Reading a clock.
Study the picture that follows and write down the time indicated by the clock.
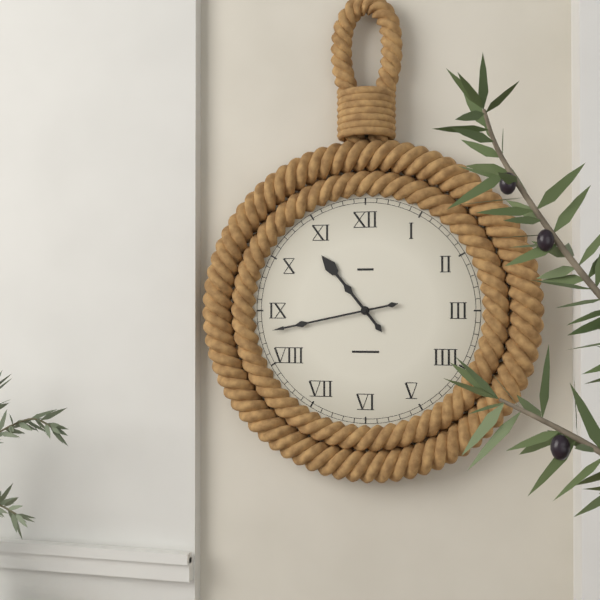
10:43
